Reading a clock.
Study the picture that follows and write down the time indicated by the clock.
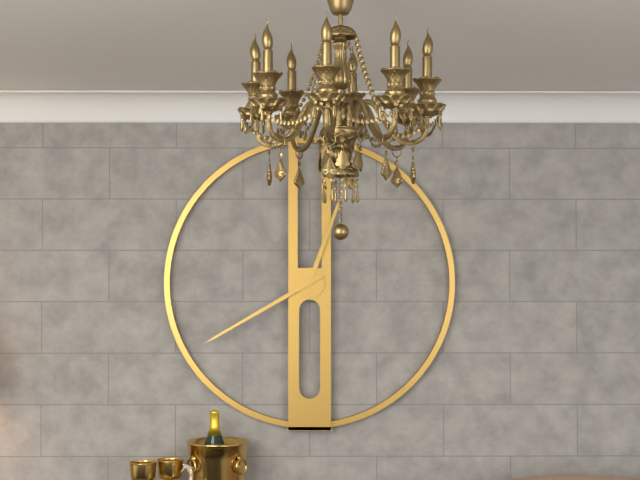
12:40
